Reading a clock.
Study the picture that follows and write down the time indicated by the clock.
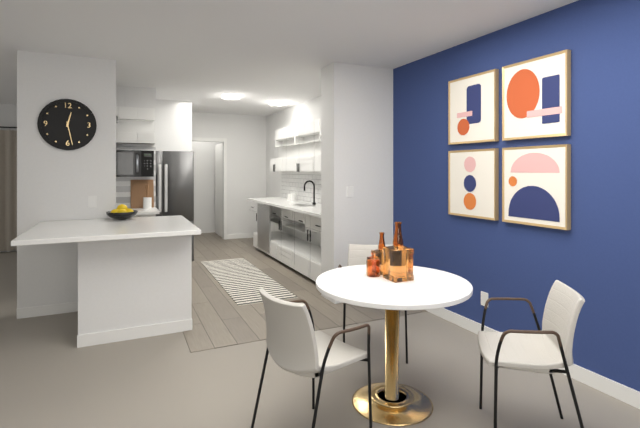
12:28
